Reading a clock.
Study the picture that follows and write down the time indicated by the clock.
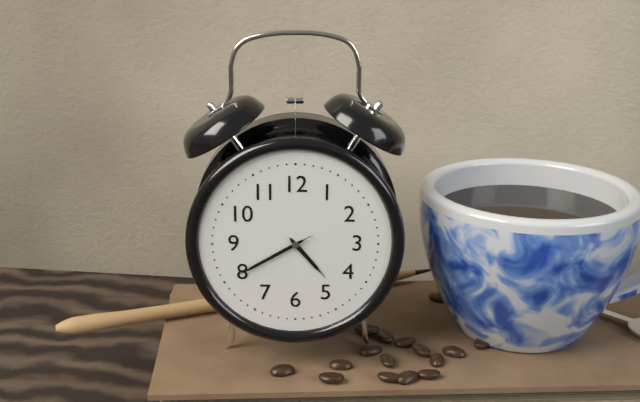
4:40:40
